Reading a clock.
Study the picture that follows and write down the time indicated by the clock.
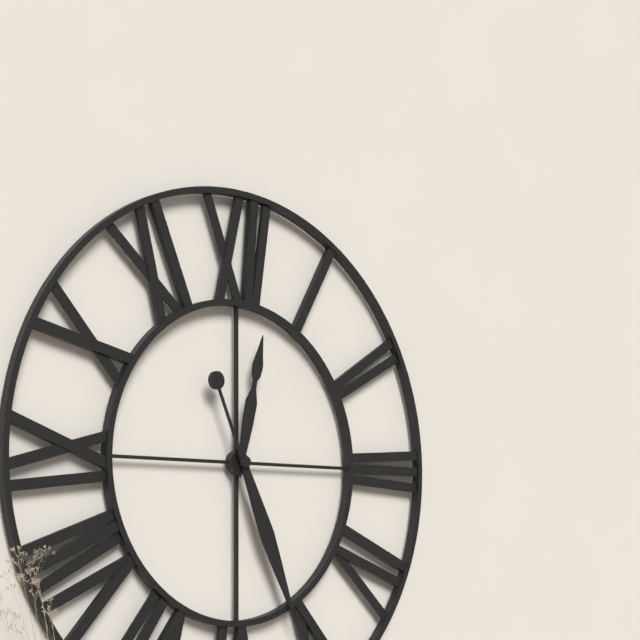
12:26
